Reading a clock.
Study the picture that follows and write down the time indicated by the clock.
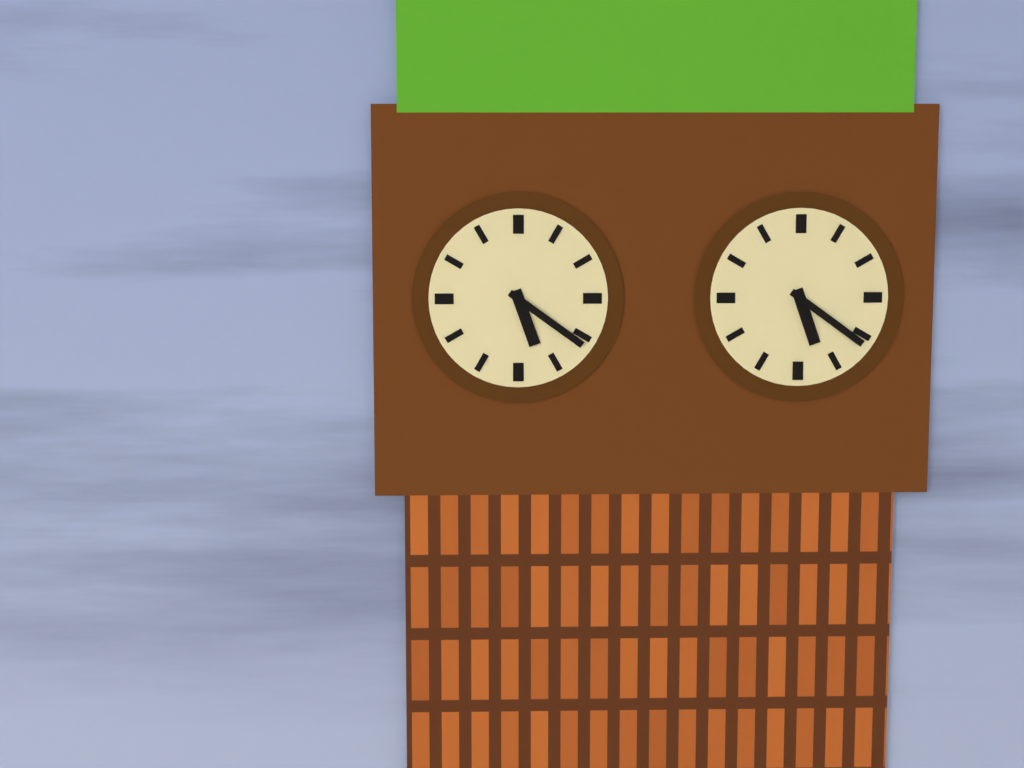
5:21
